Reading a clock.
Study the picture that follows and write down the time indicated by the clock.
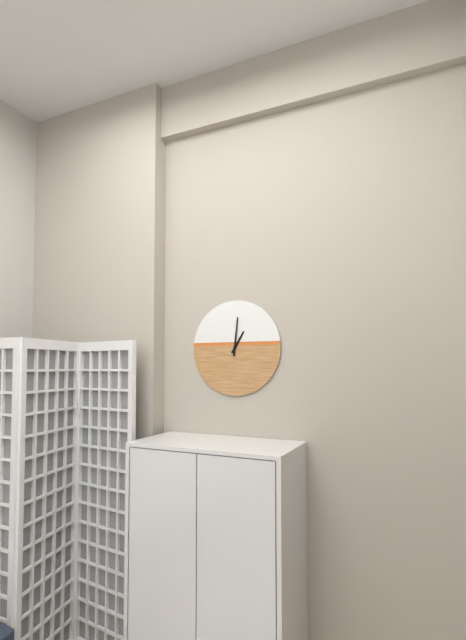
1:01
